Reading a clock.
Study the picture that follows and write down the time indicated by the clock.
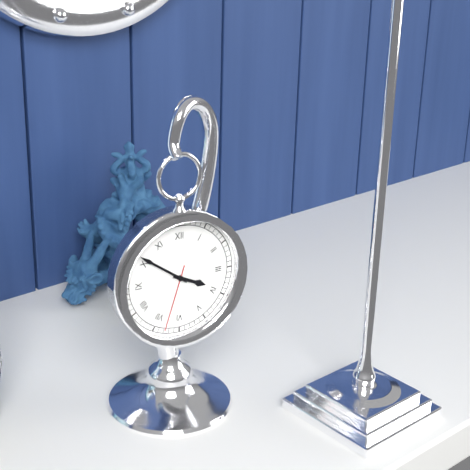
3:51:33
